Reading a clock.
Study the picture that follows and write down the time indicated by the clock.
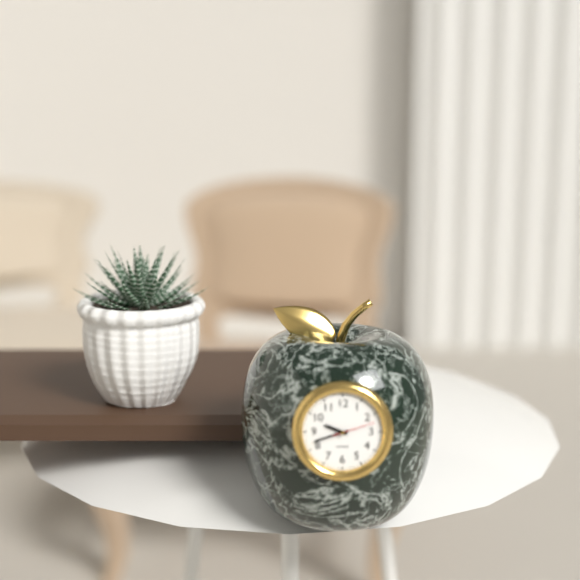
9:42
